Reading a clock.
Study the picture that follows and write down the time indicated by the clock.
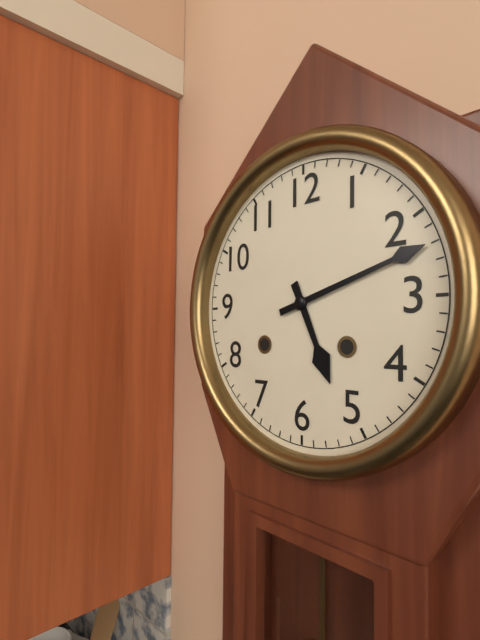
5:12
